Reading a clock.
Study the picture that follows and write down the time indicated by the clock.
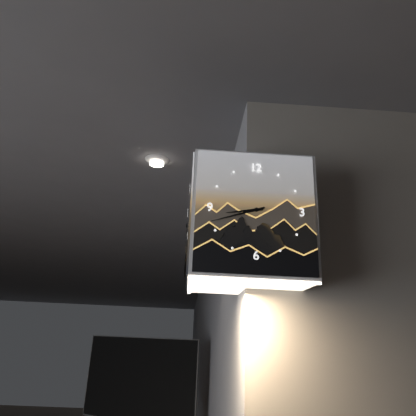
8:42
